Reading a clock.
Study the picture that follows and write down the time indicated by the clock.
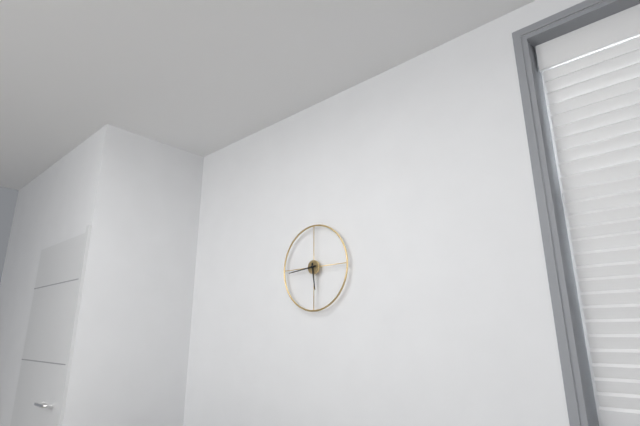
5:44
